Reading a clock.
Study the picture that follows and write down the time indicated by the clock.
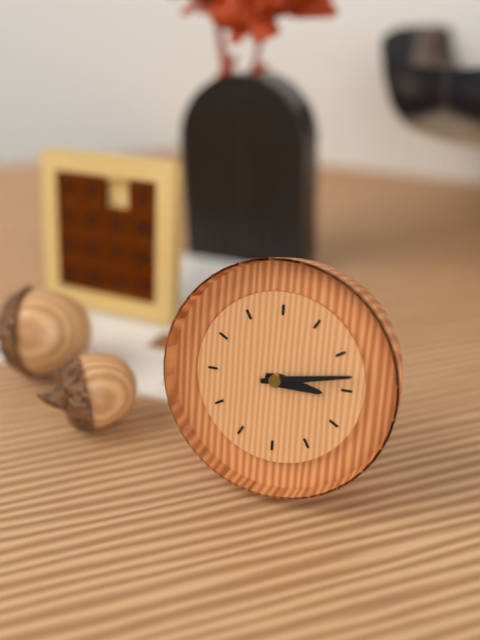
3:13
